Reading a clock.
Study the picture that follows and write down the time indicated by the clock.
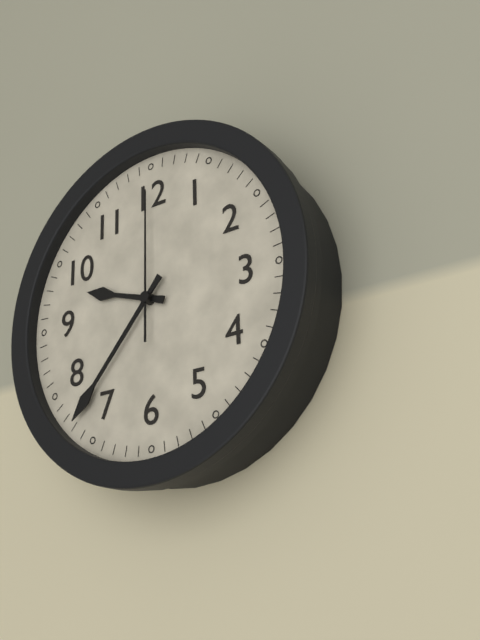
9:37:00
